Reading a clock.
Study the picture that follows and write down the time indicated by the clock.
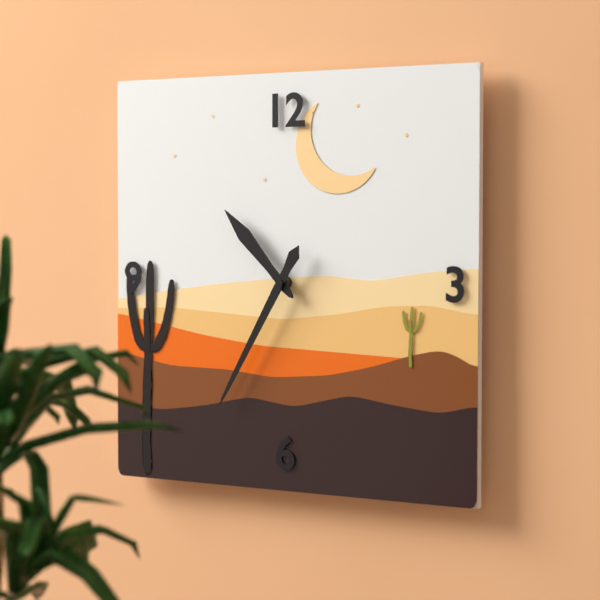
10:35
